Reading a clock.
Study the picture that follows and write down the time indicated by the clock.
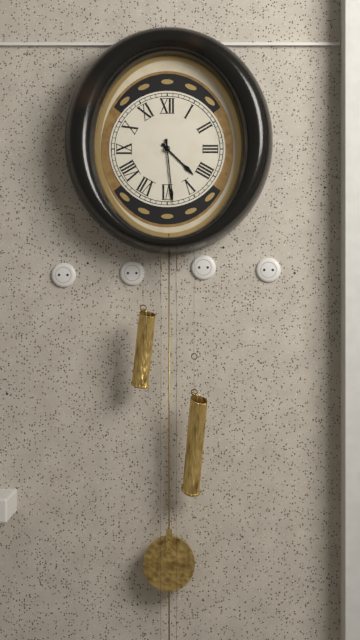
4:29
